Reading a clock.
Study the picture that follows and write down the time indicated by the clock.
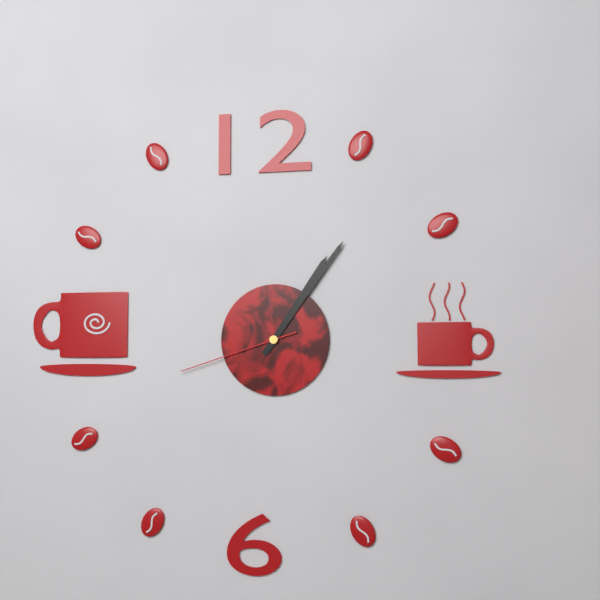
1:06:42
